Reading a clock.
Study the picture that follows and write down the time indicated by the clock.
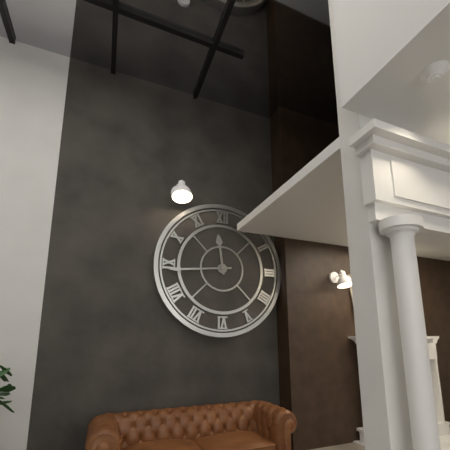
11:44
